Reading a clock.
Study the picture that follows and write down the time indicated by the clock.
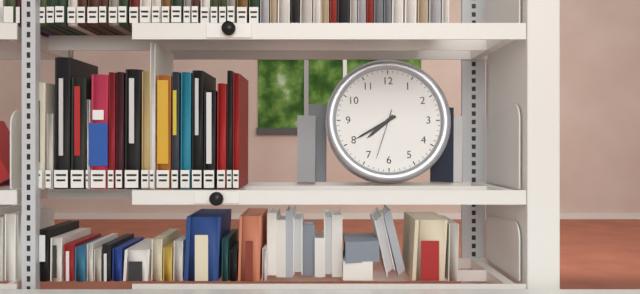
7:40
